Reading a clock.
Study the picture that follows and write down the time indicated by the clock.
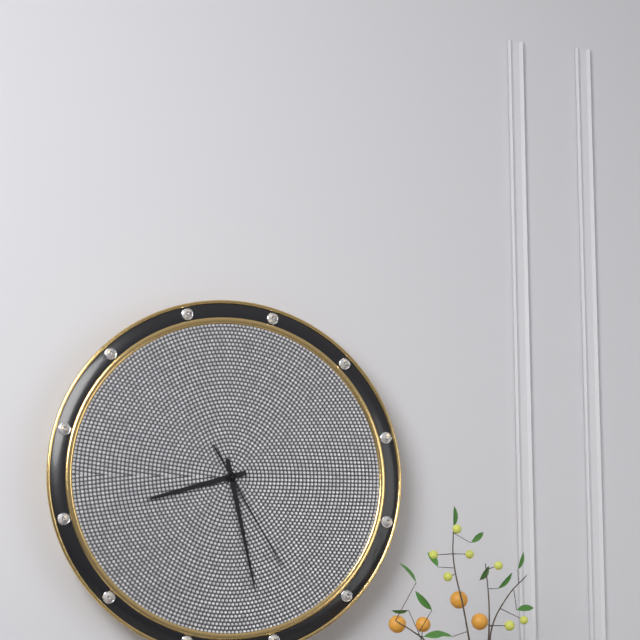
8:28:25
